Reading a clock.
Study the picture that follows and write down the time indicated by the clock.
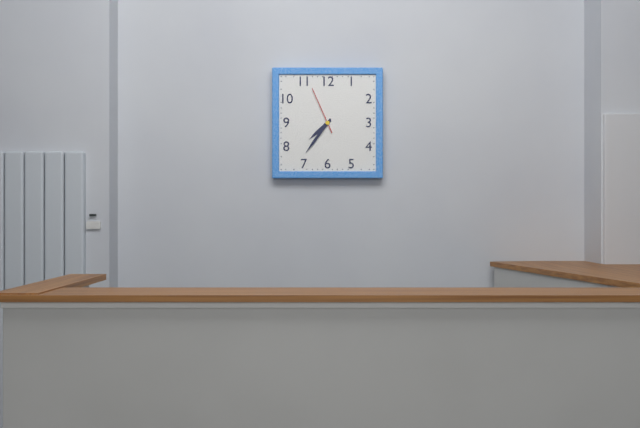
7:36
